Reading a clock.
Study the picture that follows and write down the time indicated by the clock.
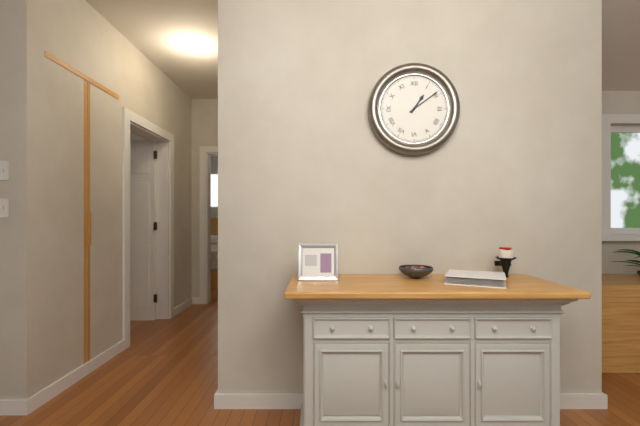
1:09
